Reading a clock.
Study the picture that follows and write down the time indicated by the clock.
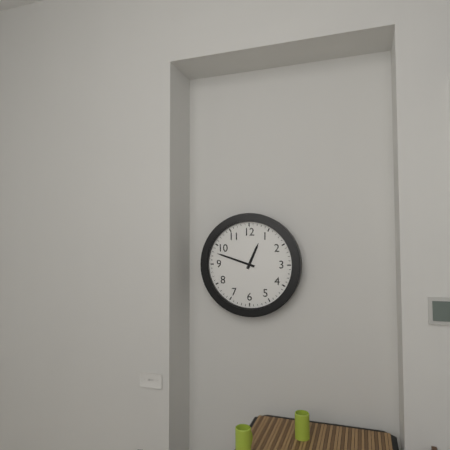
12:48
